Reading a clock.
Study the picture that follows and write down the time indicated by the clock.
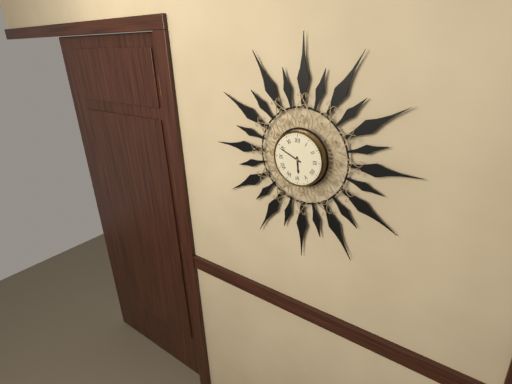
5:49
